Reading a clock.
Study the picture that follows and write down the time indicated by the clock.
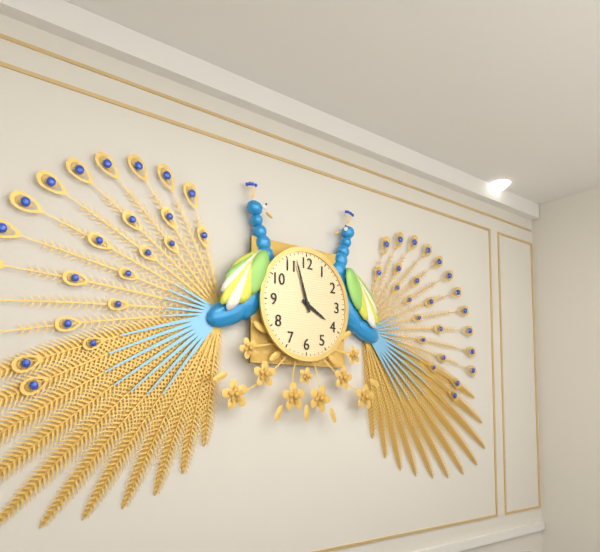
3:57
